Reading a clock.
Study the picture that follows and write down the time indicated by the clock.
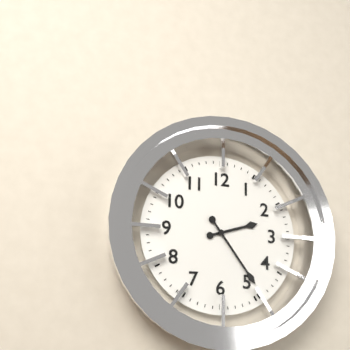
2:24
